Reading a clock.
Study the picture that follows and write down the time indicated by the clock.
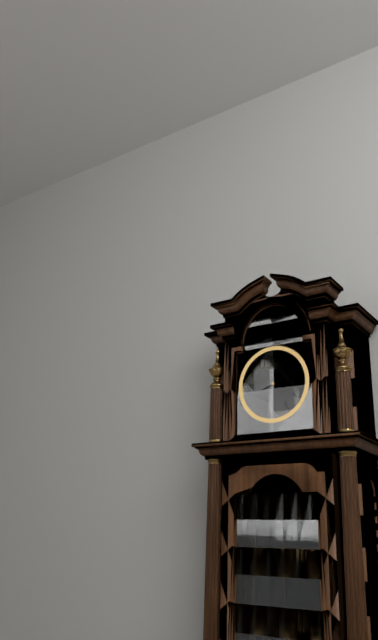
8:41
